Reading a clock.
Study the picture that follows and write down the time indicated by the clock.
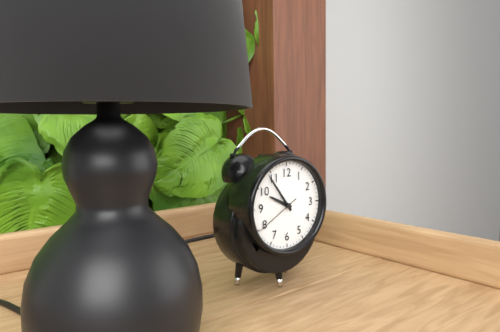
9:54
